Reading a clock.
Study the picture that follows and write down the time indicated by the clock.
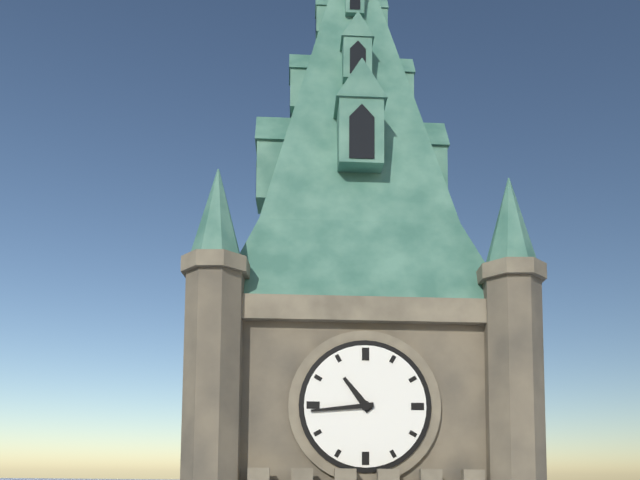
10:44
